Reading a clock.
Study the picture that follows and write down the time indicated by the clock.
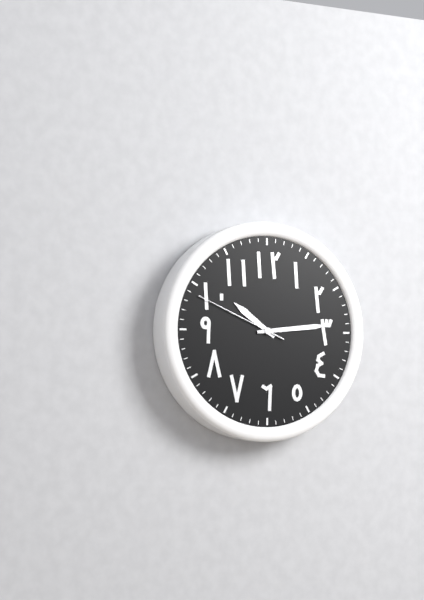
10:14:49
